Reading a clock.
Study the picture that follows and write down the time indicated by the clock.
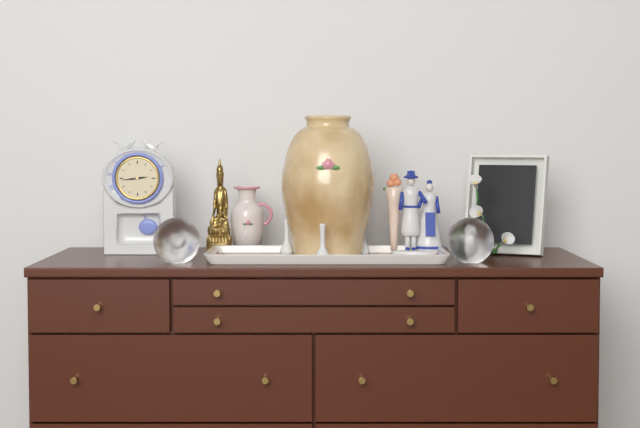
2:44
